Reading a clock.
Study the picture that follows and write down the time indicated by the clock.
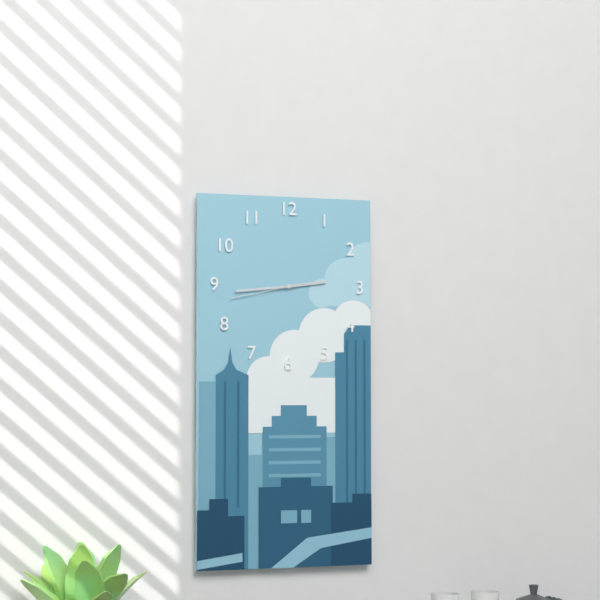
2:44:43
